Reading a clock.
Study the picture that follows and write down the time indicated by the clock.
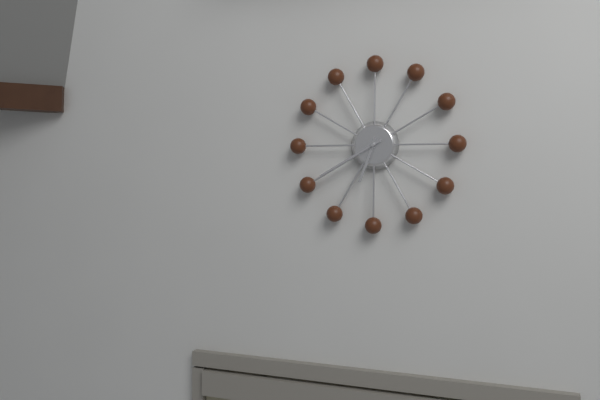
6:40
